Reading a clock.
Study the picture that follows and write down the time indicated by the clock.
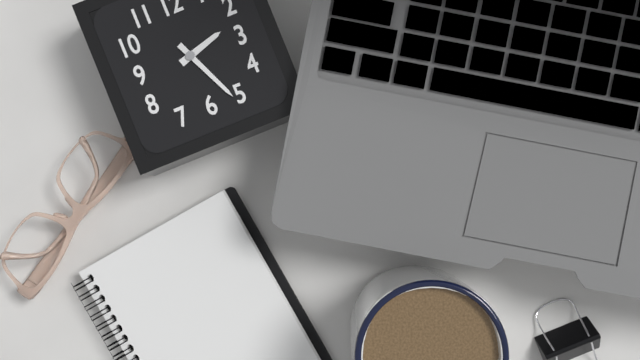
2:26
